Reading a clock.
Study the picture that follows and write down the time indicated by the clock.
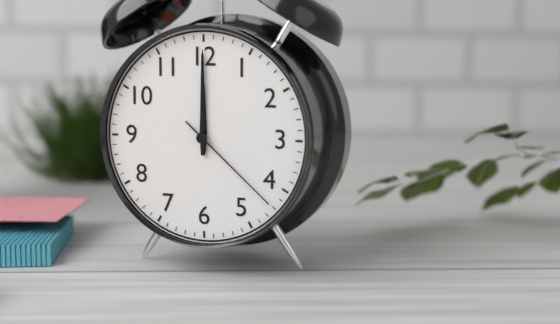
12:00:22
